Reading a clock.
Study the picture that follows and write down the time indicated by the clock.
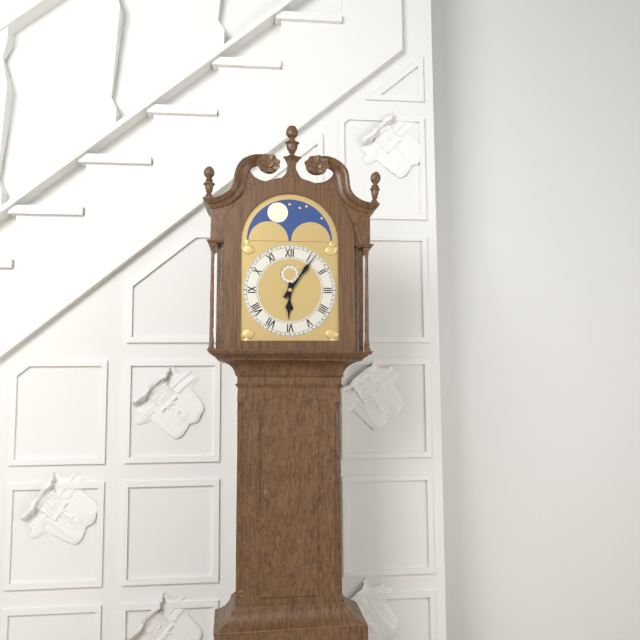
6:06
